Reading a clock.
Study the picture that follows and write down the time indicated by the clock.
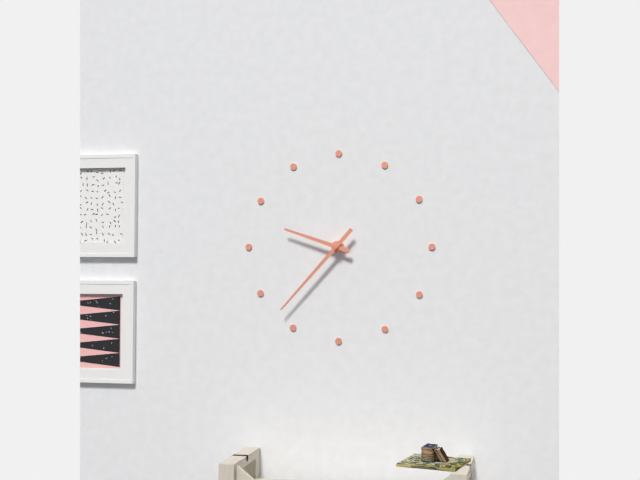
9:37
